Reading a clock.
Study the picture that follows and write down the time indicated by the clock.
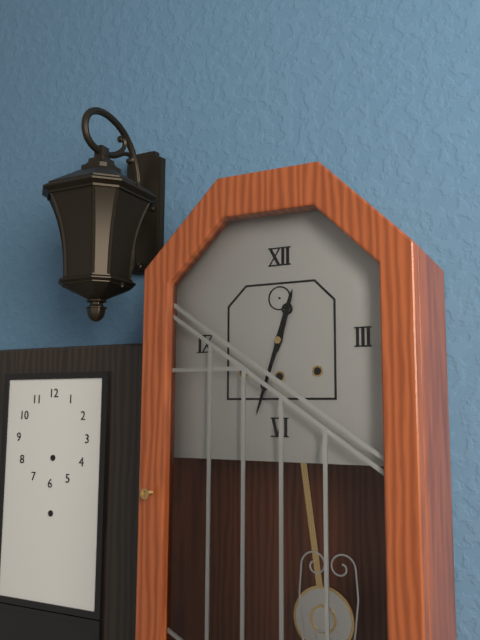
12:33
